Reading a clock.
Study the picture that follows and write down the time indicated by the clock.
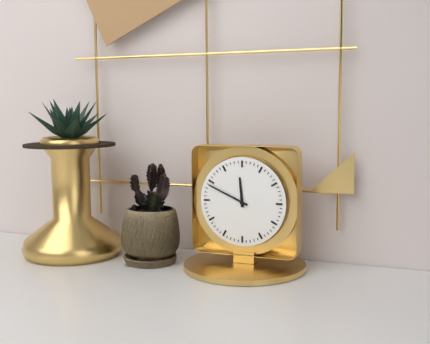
11:49
